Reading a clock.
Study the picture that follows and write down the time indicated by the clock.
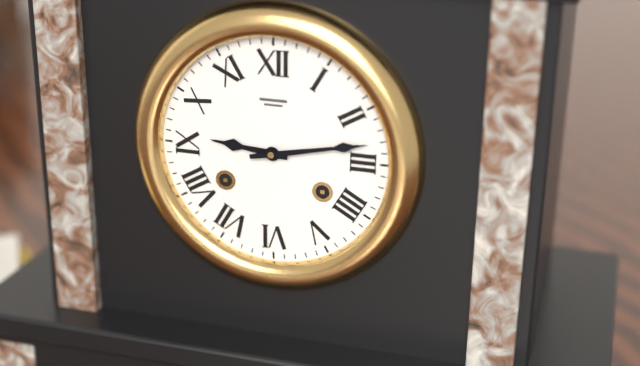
9:13
